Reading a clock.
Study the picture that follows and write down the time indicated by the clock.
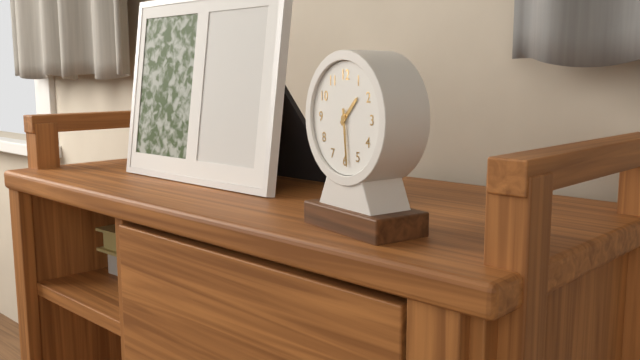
1:29
